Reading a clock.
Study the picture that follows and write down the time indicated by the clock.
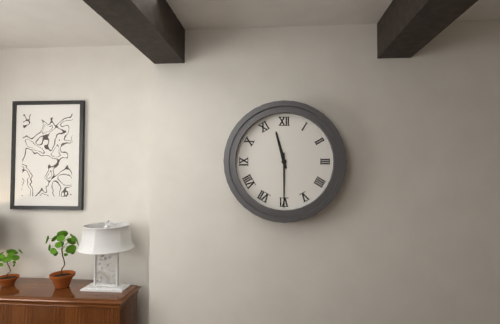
11:30
